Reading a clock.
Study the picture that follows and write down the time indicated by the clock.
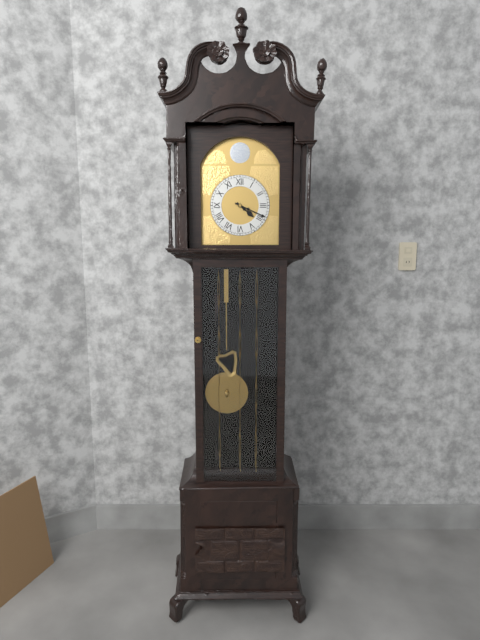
4:19
